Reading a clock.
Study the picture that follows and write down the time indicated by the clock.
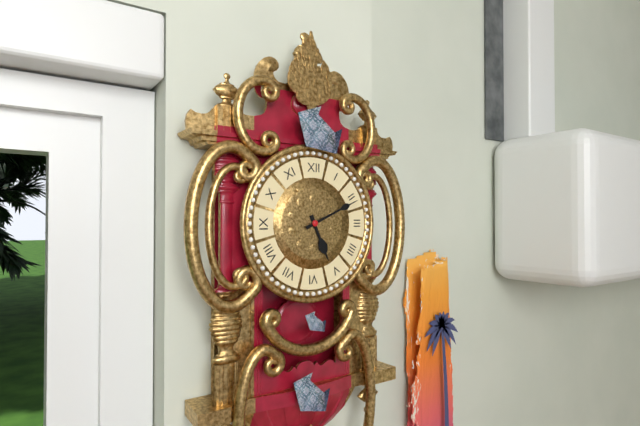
5:11
